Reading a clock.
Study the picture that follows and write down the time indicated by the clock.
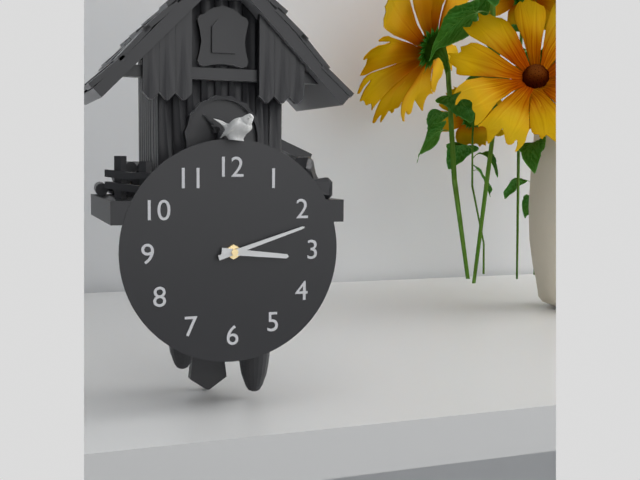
3:12
